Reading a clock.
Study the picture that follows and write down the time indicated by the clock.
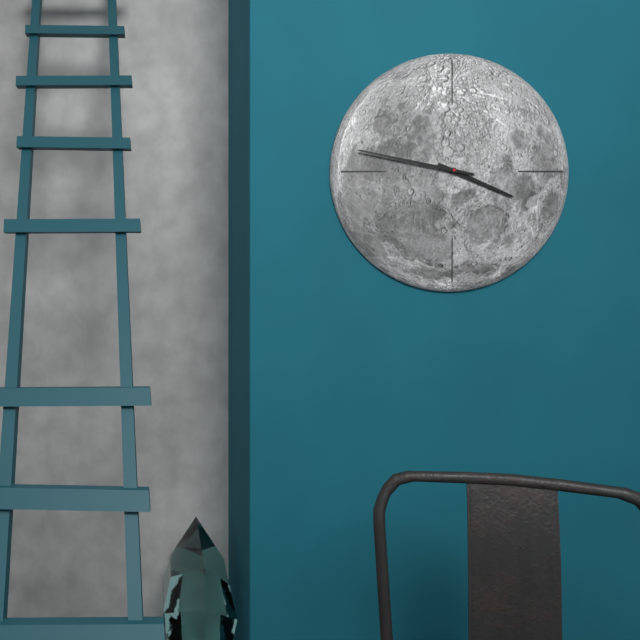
3:47
